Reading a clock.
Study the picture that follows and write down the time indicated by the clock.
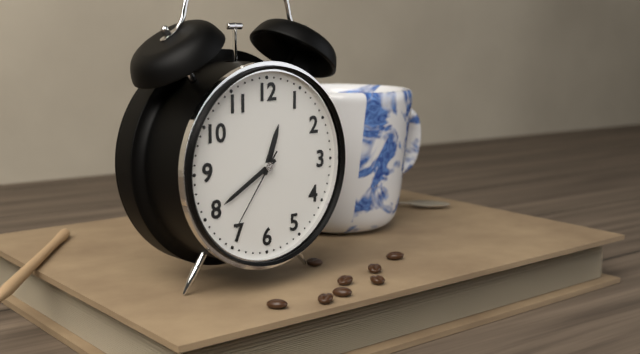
12:40:36
